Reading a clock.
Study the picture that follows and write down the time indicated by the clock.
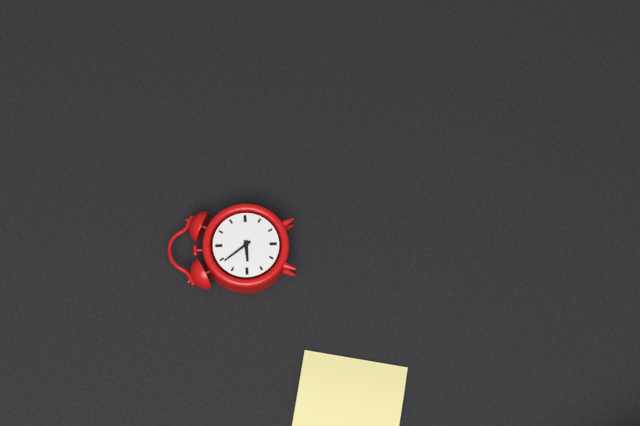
8:54
